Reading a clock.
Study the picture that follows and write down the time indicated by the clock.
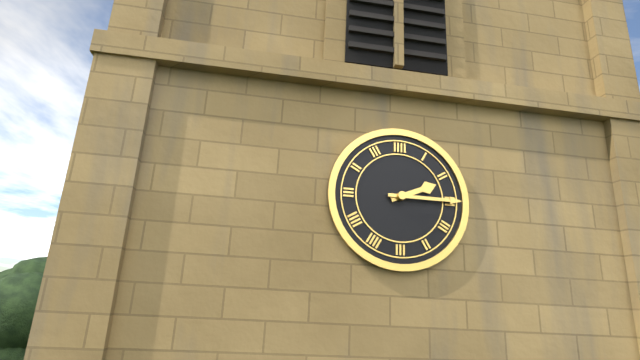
2:15
